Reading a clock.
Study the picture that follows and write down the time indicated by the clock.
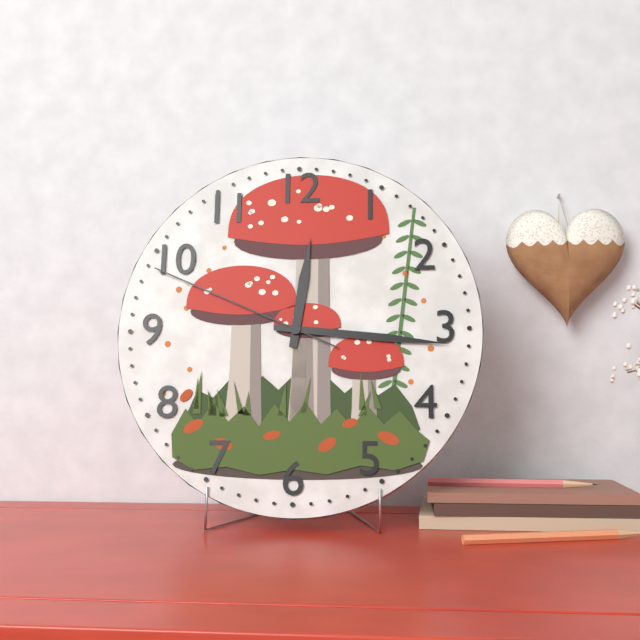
12:16:49
